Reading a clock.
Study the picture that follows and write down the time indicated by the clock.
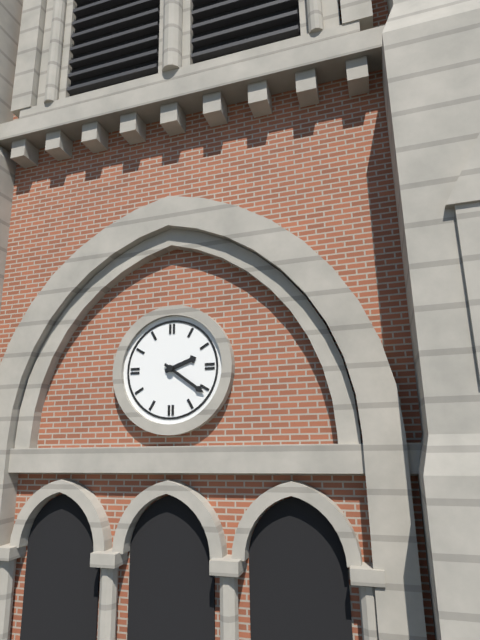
2:21
